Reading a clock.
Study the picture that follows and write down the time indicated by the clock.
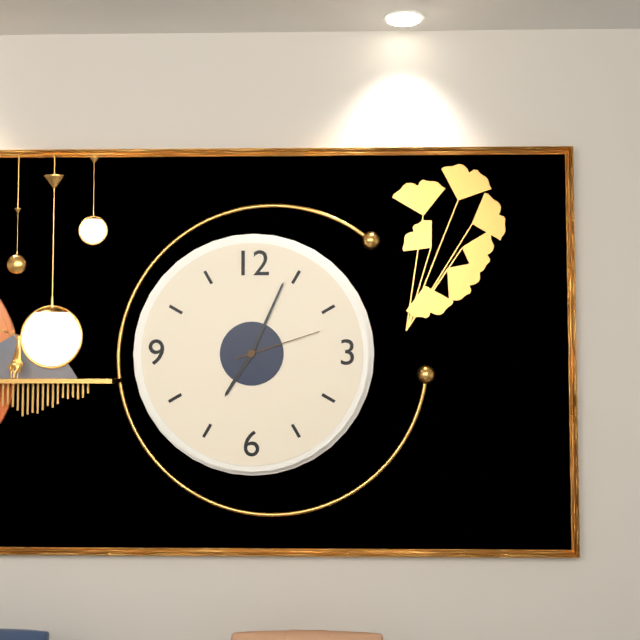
7:04:12
